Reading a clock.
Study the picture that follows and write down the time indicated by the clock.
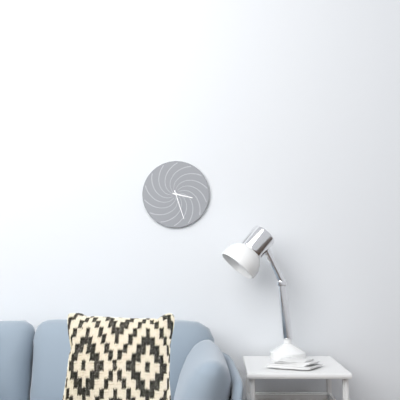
3:27
